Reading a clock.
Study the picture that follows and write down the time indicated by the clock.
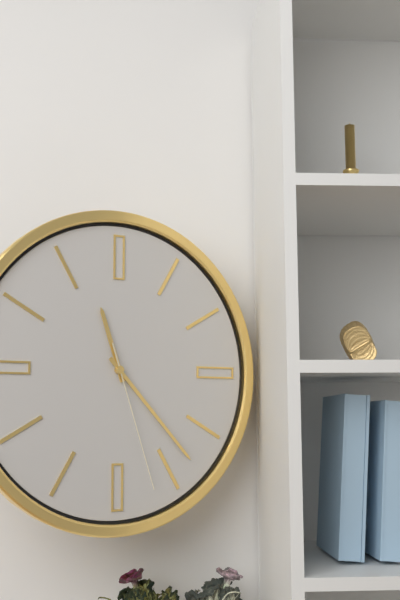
11:23:27
